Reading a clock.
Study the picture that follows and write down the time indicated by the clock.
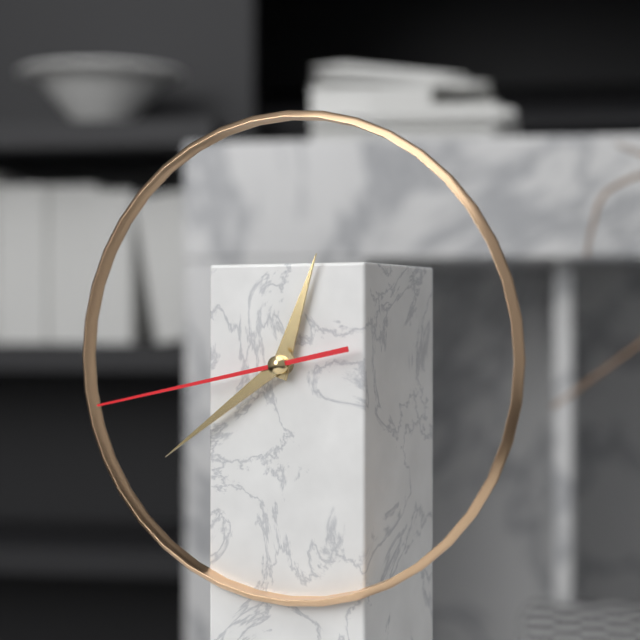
12:39:43
